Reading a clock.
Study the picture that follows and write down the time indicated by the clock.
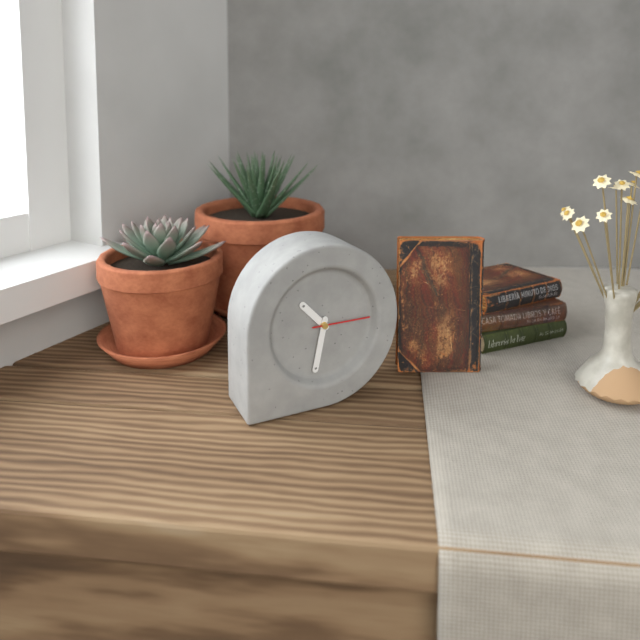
10:32:15
